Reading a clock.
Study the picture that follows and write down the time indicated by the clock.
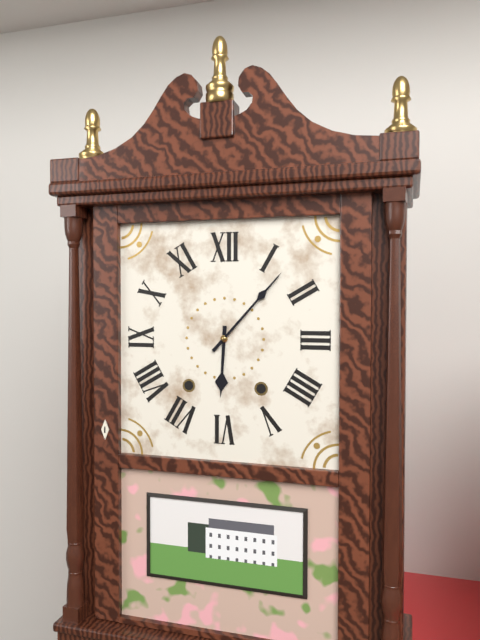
6:07
